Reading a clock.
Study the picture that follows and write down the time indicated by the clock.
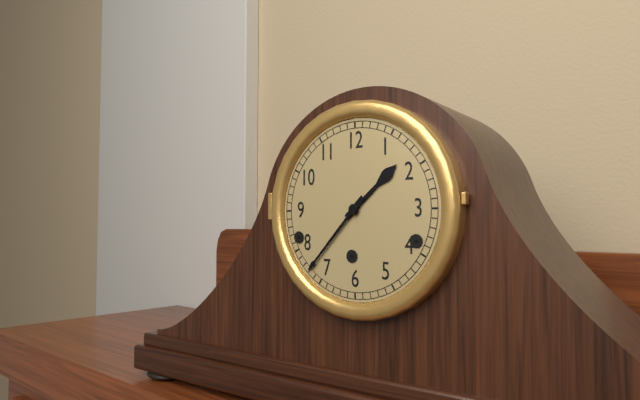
1:37
